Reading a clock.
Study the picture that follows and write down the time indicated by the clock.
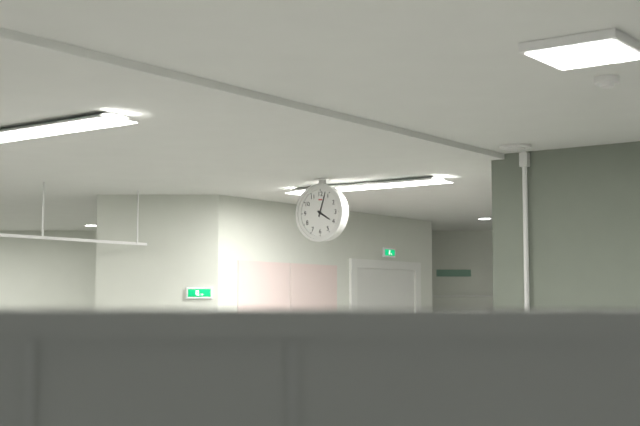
4:03
